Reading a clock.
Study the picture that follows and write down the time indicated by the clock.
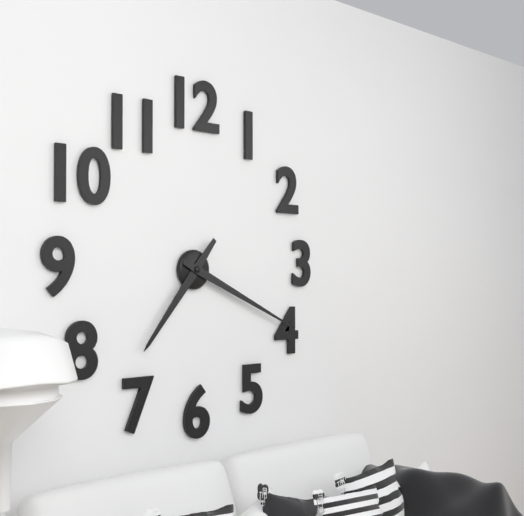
7:19
